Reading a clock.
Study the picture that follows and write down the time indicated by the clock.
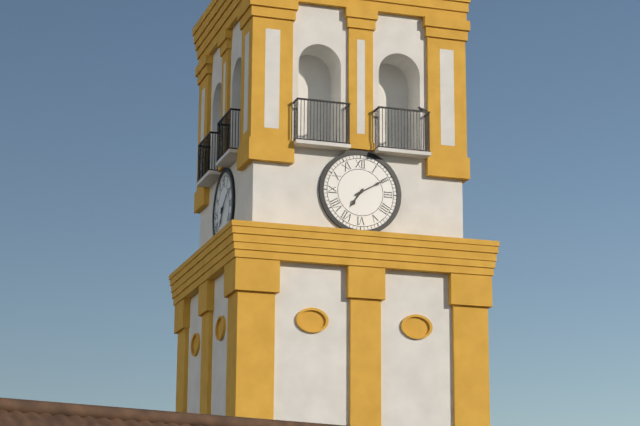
7:10
